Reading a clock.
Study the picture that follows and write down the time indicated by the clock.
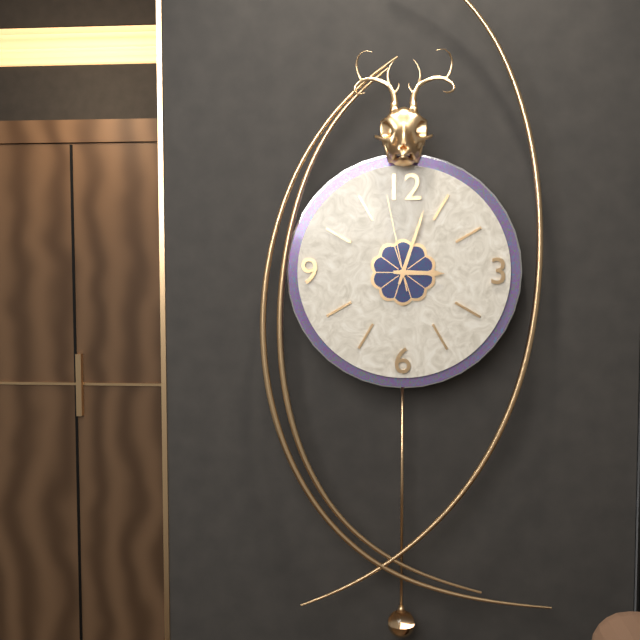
3:03:58
